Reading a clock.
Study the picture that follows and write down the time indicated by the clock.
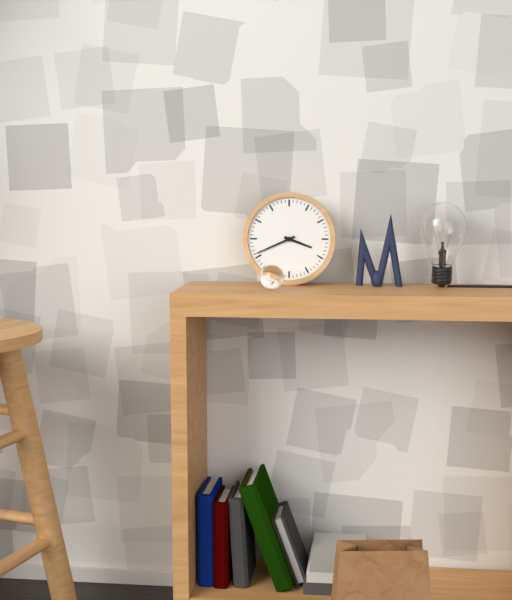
3:41
